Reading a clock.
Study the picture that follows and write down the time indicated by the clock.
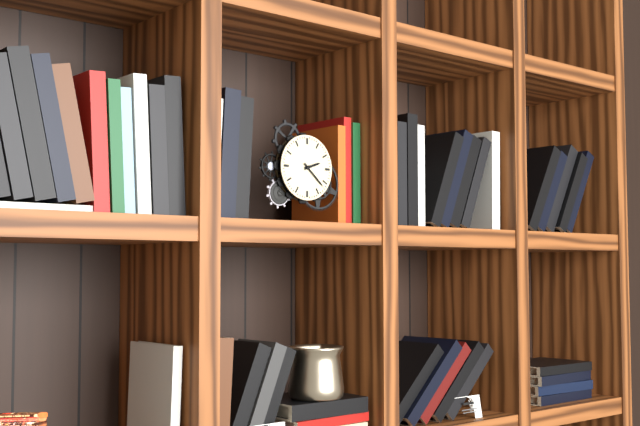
2:22
